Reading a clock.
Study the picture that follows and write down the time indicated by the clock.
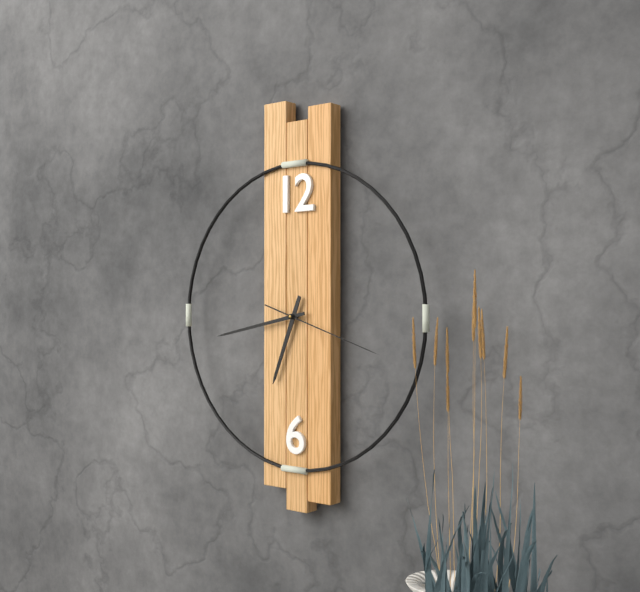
6:43:18
